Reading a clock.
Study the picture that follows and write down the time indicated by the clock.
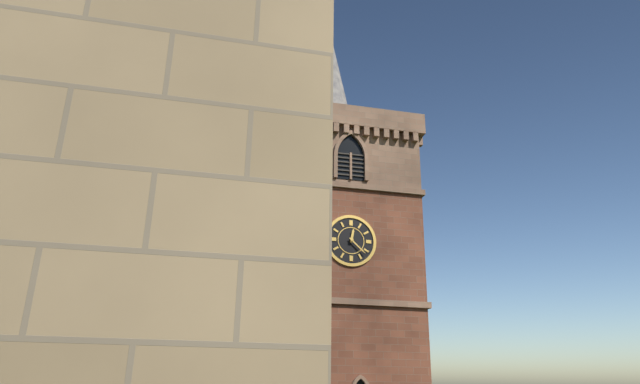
12:22
